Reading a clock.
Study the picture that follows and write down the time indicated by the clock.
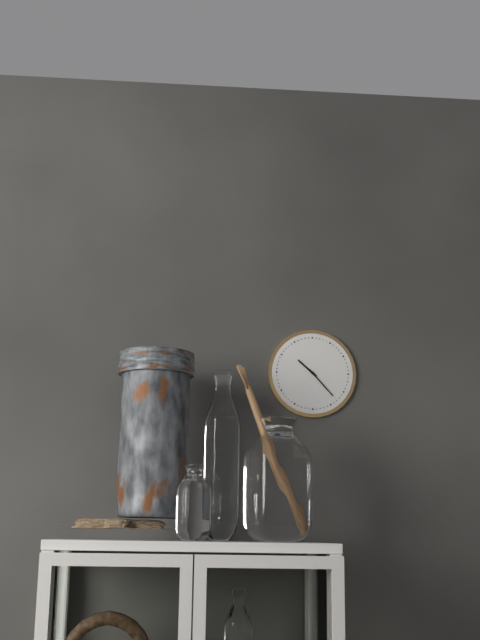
10:23
